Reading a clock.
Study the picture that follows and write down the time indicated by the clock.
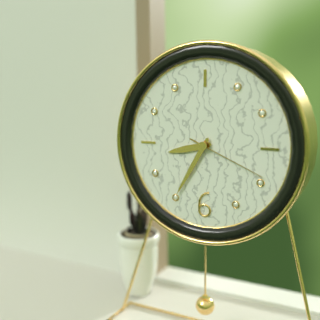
8:35:19
